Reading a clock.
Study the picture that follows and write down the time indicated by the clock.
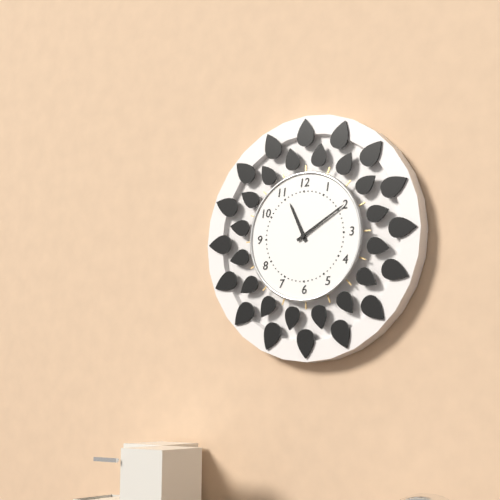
11:10
